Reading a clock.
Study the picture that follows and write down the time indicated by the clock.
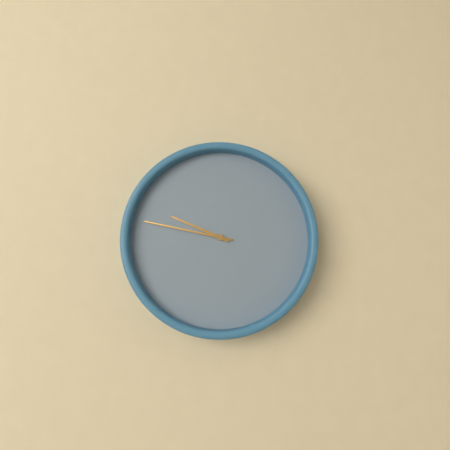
9:47
